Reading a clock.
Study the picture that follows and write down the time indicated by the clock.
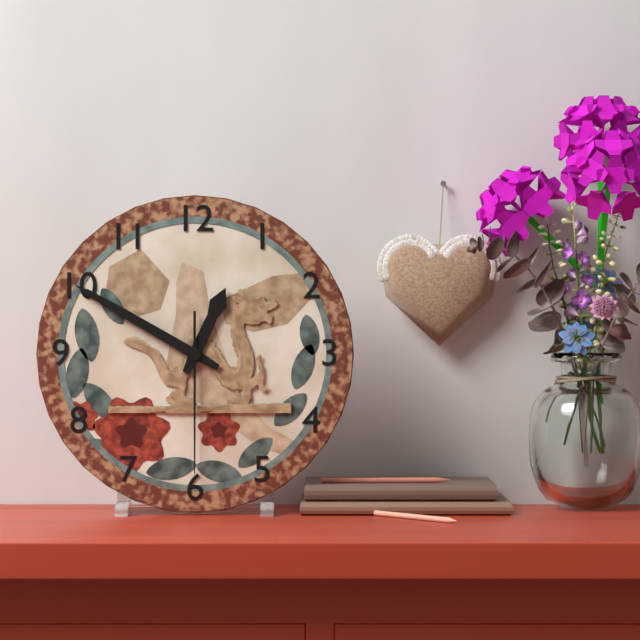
12:50:30
